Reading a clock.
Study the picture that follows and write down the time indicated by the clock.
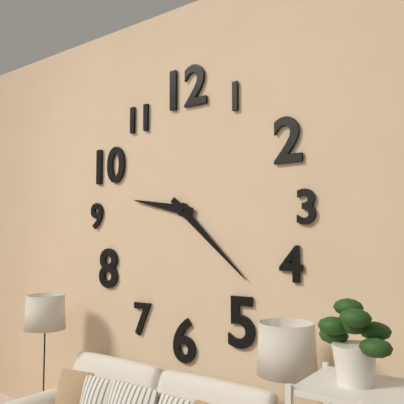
9:22
